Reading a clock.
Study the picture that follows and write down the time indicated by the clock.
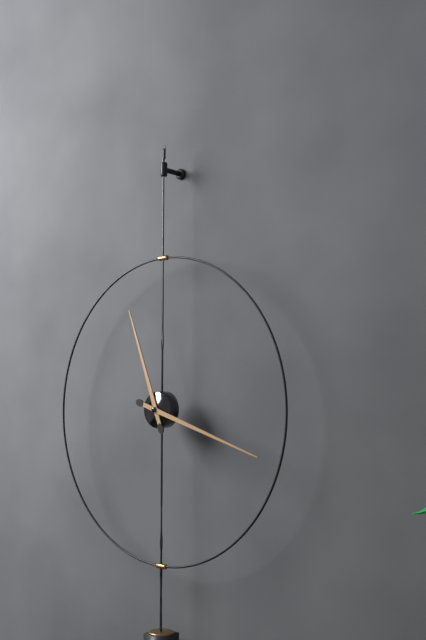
11:18
